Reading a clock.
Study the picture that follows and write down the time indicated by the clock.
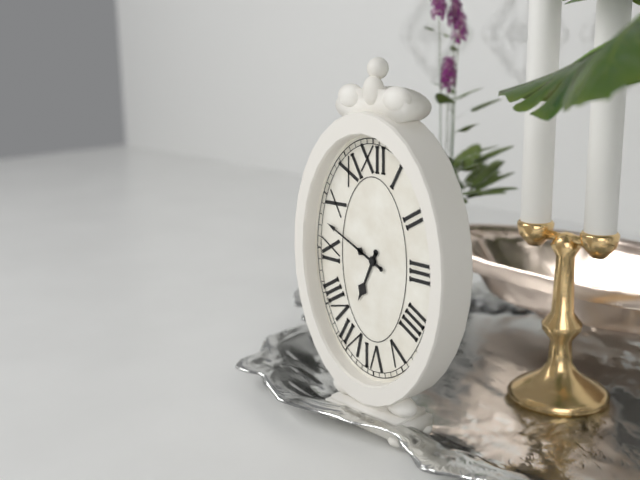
6:49
